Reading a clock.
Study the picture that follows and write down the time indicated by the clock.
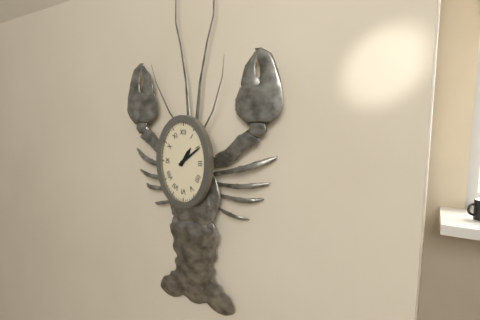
1:09
